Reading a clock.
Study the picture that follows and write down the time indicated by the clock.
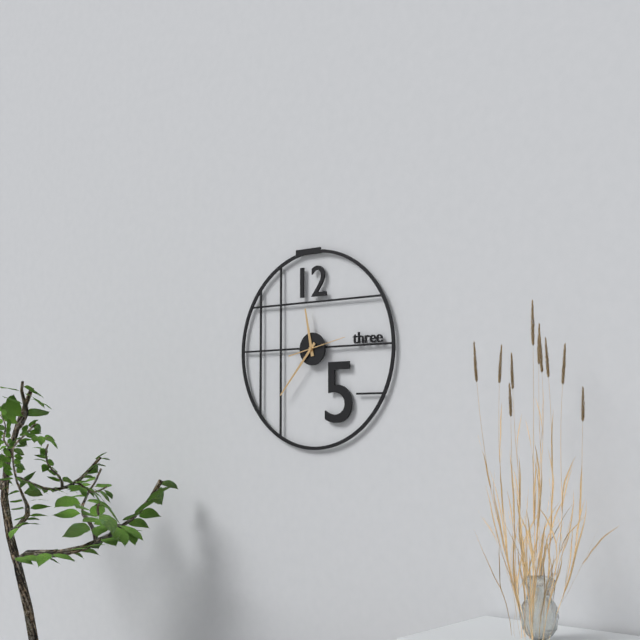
11:37
